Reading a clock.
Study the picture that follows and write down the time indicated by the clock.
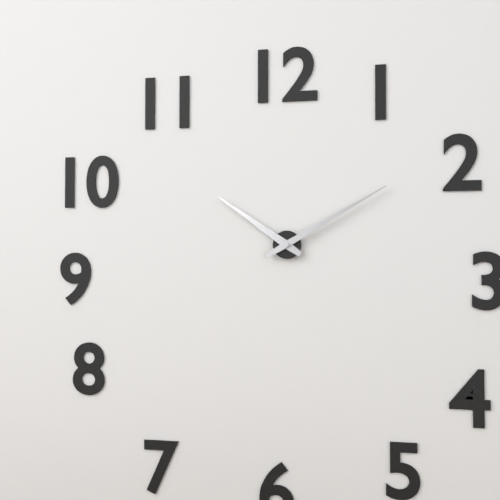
10:10
